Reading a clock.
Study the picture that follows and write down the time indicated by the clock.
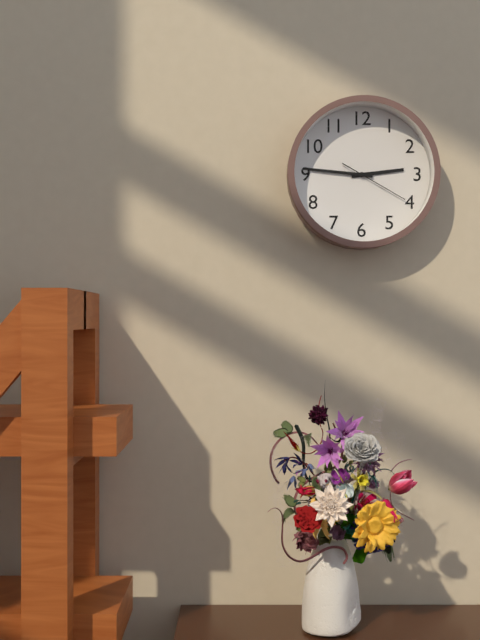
2:46:20
